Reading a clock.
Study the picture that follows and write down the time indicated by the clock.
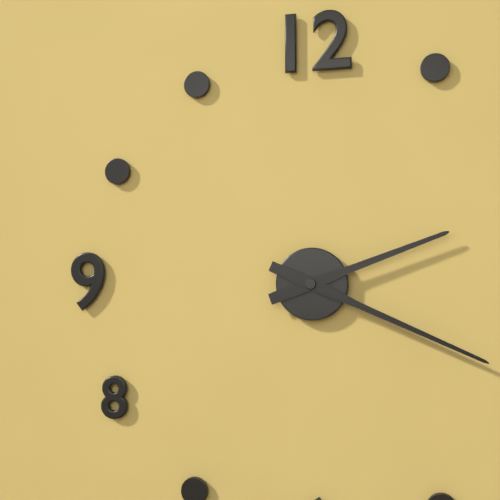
2:19
